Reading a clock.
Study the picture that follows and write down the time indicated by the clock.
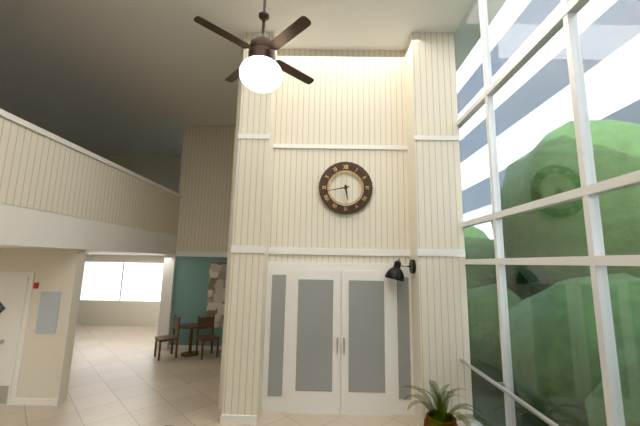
5:43
